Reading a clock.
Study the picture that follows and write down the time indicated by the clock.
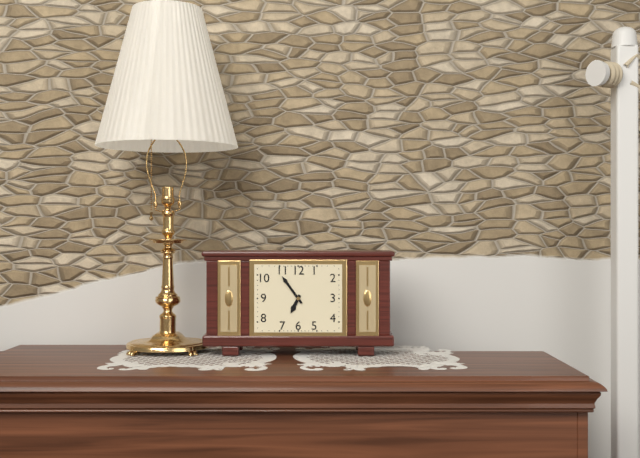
6:54
